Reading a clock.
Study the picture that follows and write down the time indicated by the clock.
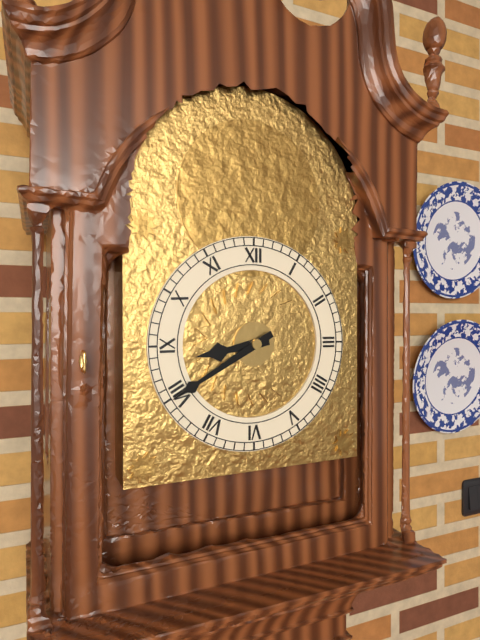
8:40
